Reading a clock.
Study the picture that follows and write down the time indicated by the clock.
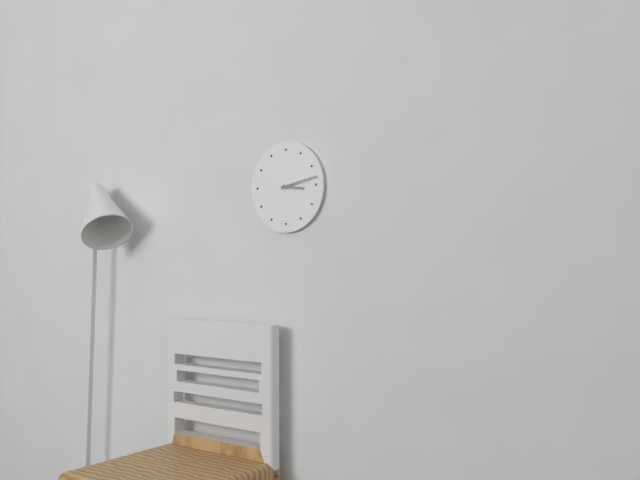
3:13
